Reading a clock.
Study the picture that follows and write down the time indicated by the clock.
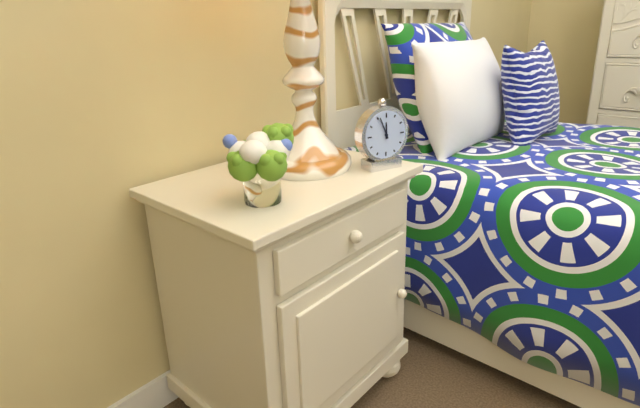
11:56
